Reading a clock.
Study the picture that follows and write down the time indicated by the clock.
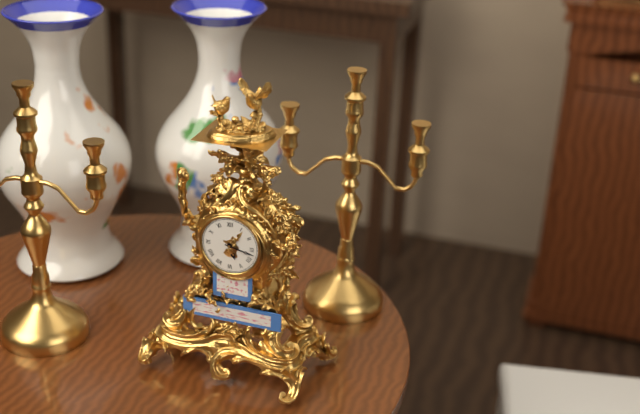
5:17
